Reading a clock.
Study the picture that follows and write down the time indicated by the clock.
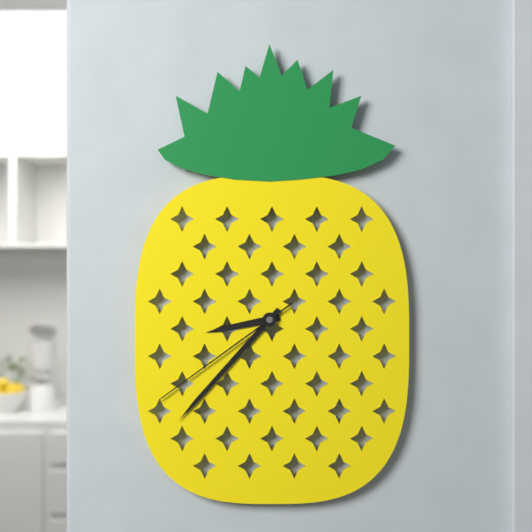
8:37:39
